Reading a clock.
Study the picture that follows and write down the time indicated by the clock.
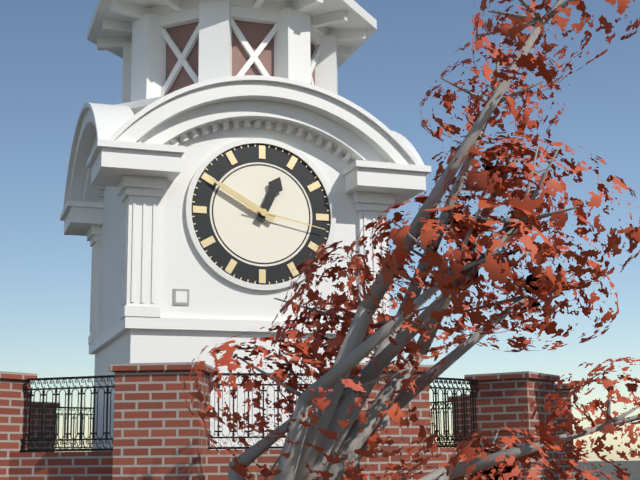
12:50:17
